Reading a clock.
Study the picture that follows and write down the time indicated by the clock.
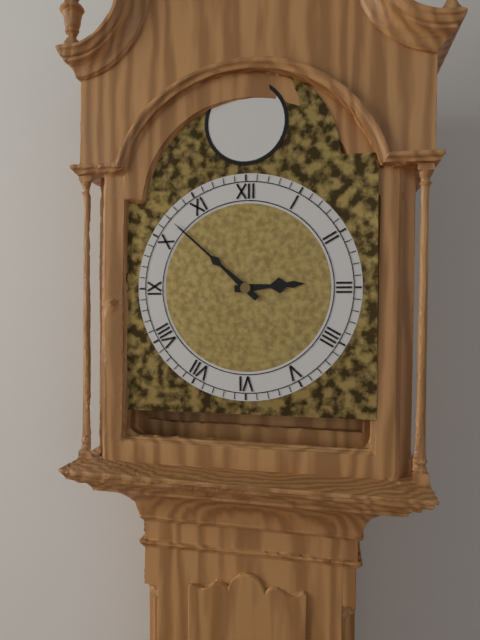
2:52
